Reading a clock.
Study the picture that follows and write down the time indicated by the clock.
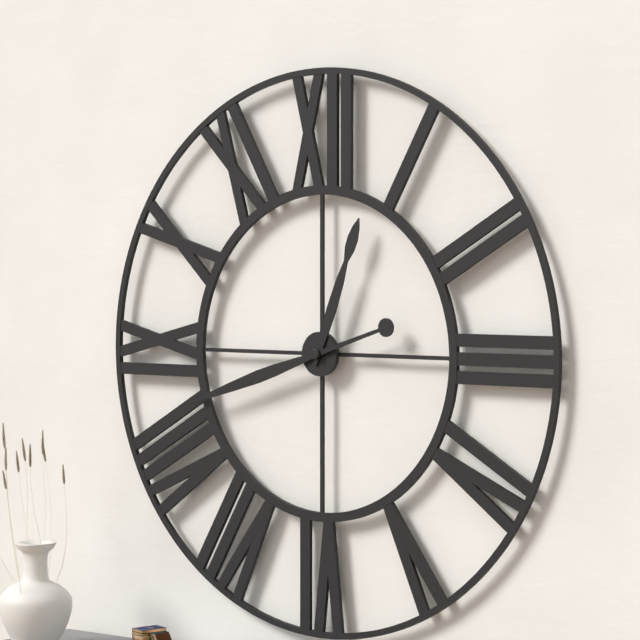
12:42
